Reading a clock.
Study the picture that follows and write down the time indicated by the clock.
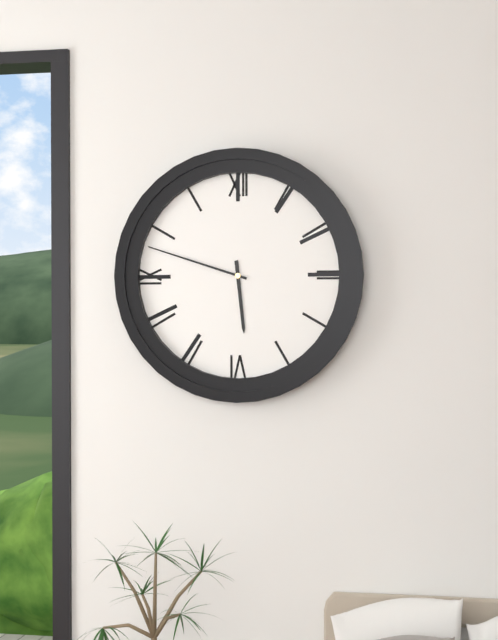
5:48
